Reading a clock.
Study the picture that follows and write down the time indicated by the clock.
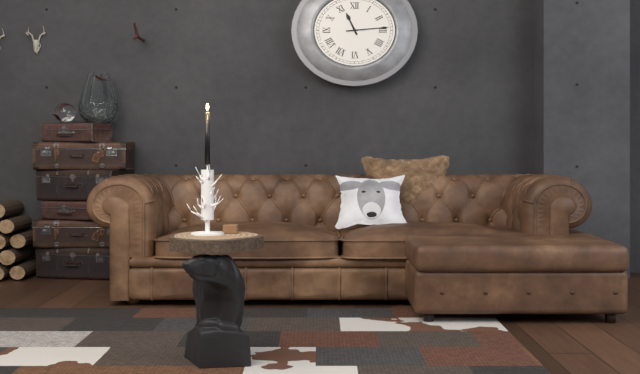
11:14
